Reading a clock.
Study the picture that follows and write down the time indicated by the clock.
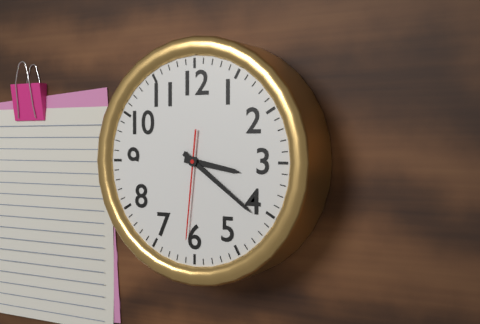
3:21:31
